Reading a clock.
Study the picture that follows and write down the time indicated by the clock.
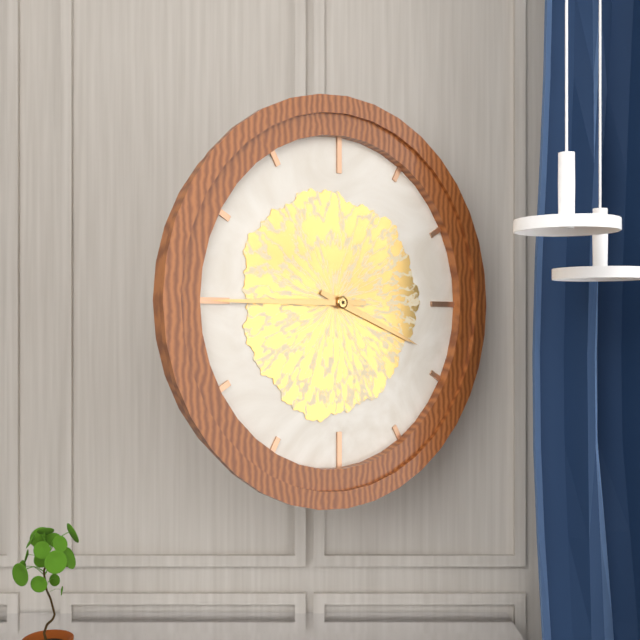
3:45
